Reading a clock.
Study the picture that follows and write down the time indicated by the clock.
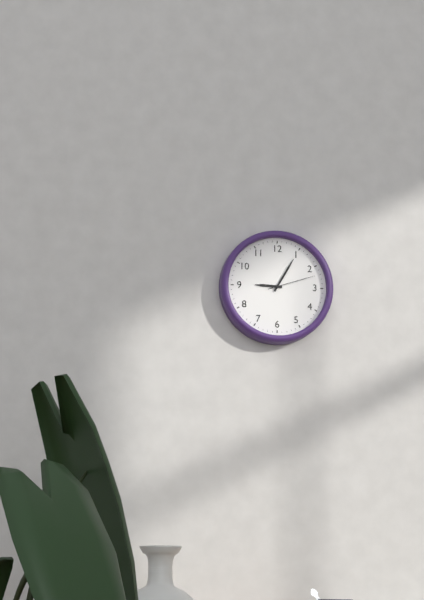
9:05:12
